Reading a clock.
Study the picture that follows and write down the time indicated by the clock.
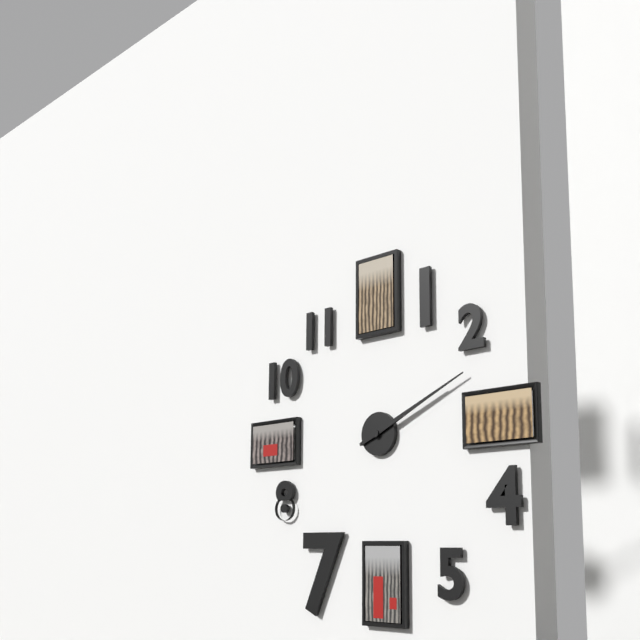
2:11
